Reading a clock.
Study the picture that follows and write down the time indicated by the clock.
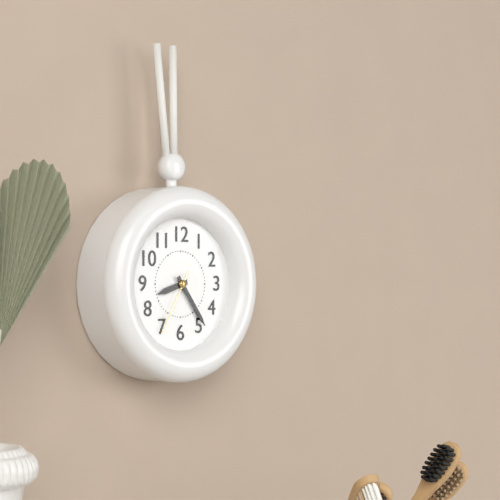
8:24:35
